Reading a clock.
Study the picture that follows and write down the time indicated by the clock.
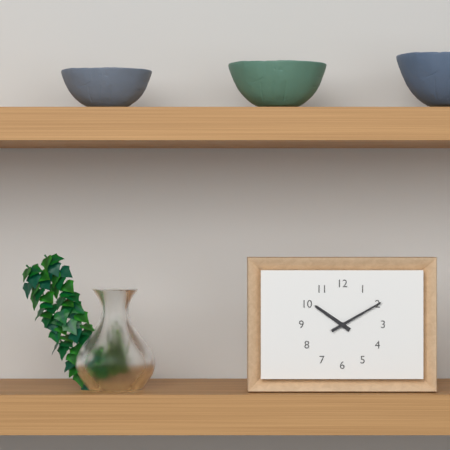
10:10
